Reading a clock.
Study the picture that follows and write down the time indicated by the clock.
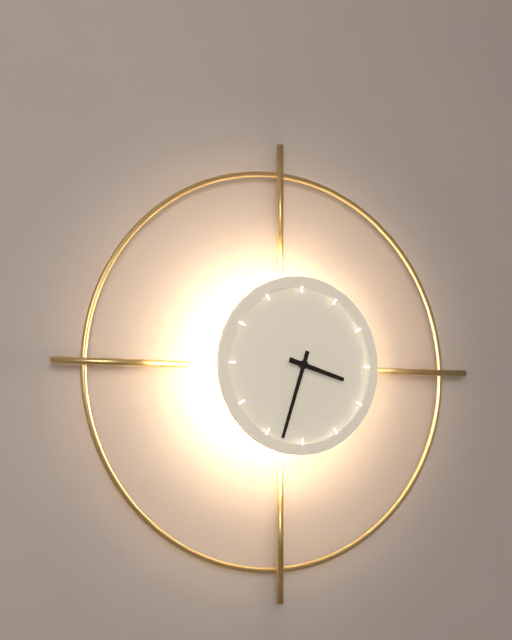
3:33
